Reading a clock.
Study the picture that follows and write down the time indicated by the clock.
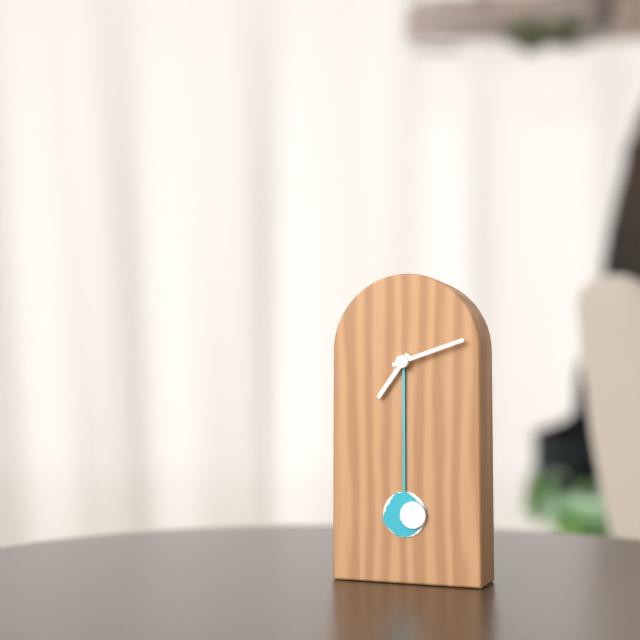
7:12
